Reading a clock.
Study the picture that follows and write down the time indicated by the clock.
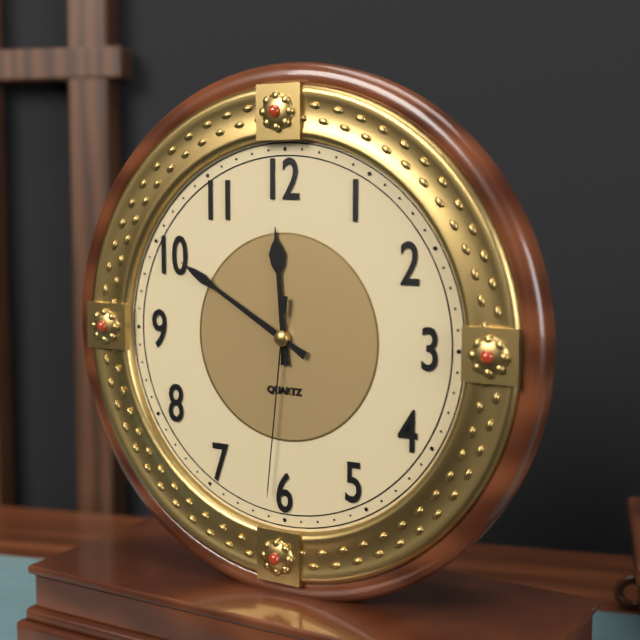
11:50:31
